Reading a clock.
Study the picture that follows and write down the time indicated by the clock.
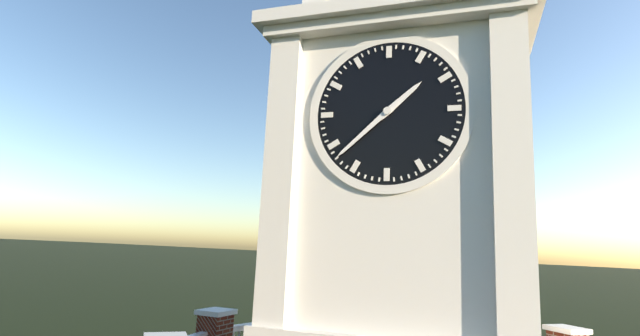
1:38
